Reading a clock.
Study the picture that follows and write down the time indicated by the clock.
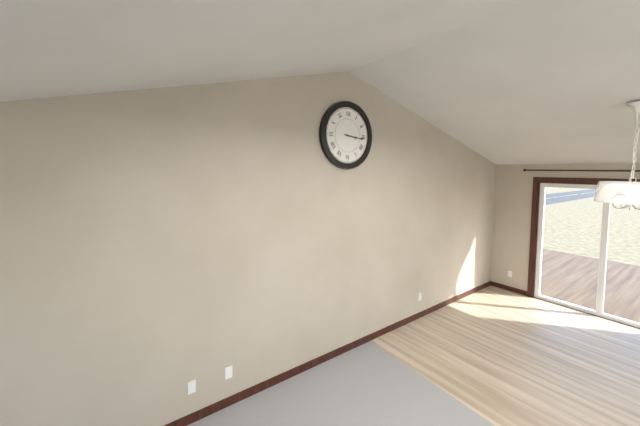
3:16
